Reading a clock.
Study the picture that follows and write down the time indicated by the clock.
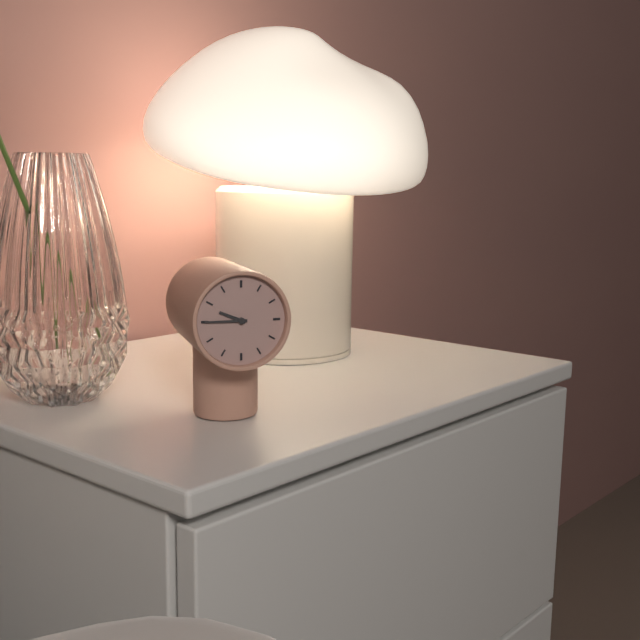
9:45
